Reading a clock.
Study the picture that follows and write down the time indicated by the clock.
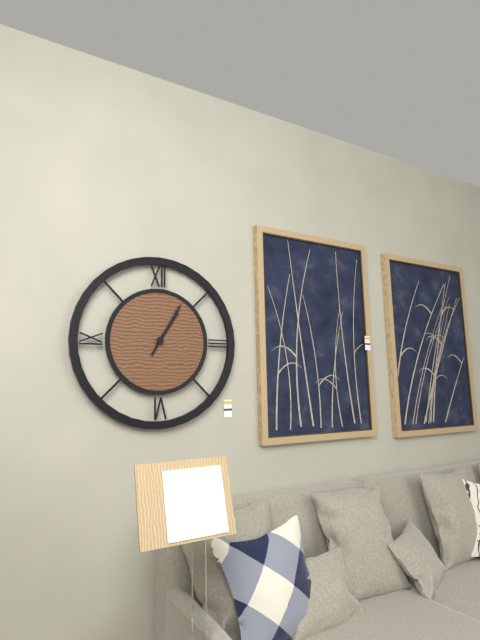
1:05
